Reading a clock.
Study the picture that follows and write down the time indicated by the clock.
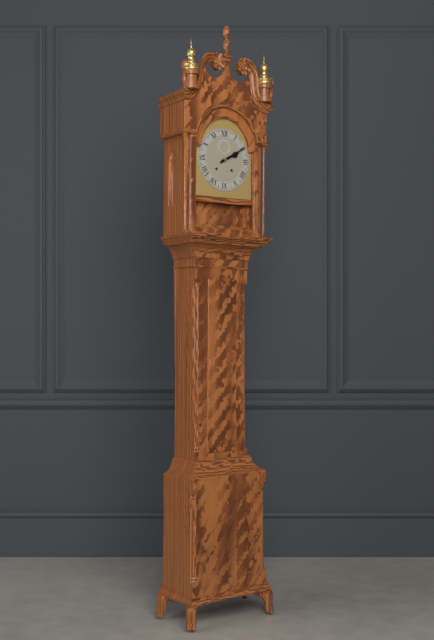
2:10
